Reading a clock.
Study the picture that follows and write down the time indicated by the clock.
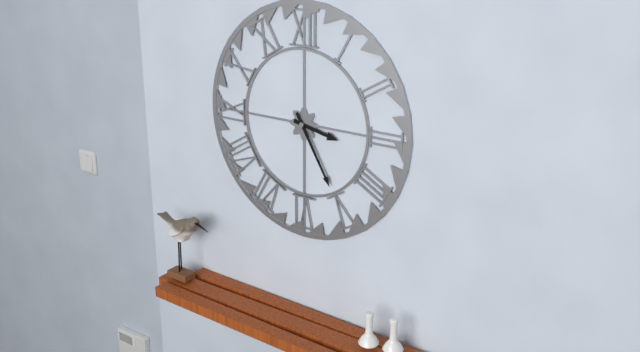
3:25
